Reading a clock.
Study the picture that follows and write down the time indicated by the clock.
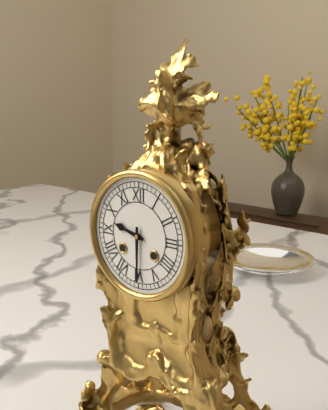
9:30
